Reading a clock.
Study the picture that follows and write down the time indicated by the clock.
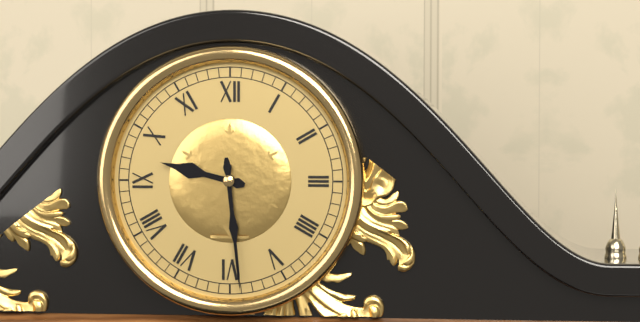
9:29
